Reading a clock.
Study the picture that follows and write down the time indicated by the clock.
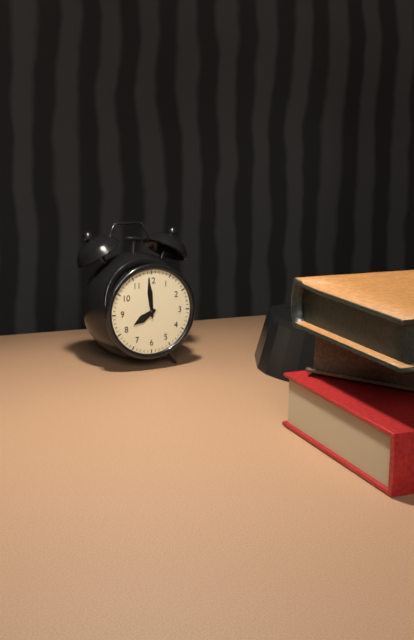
7:59
